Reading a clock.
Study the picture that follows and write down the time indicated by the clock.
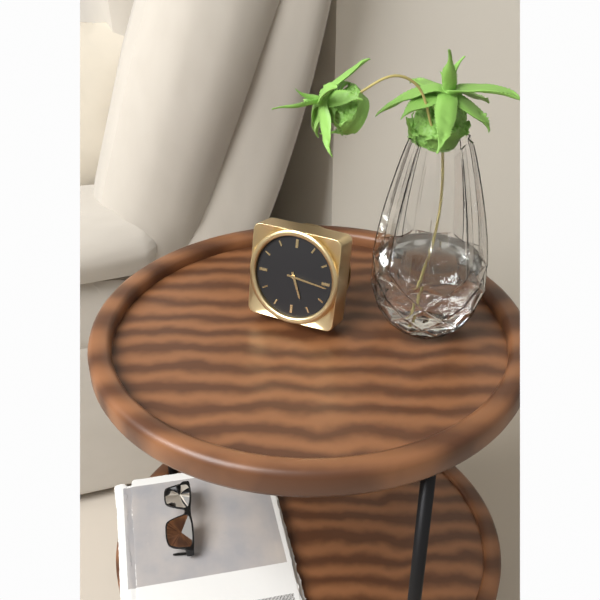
5:16
